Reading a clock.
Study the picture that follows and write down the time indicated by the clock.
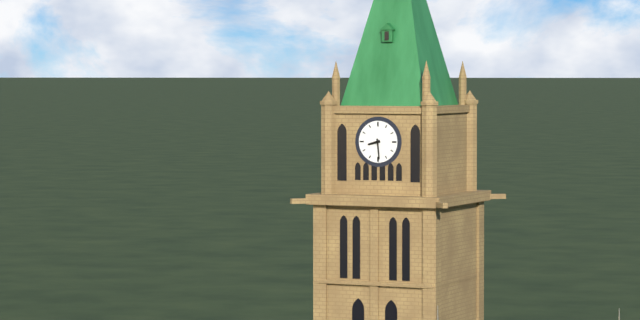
8:29
